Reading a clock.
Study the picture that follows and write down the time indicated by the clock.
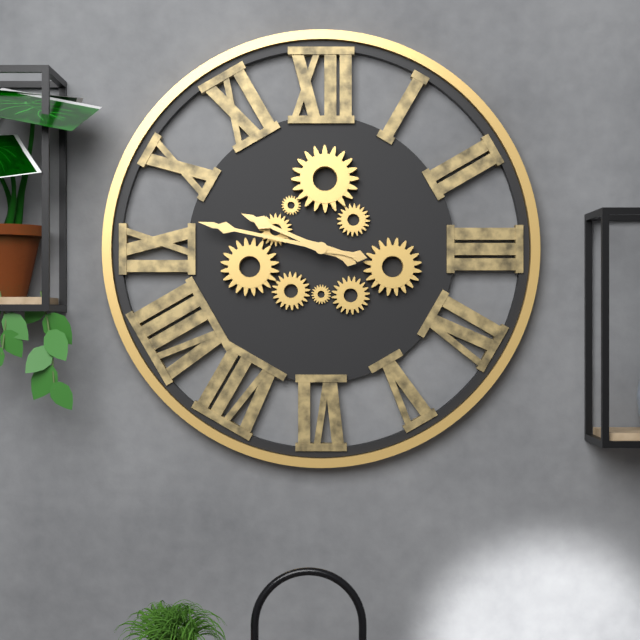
9:47
